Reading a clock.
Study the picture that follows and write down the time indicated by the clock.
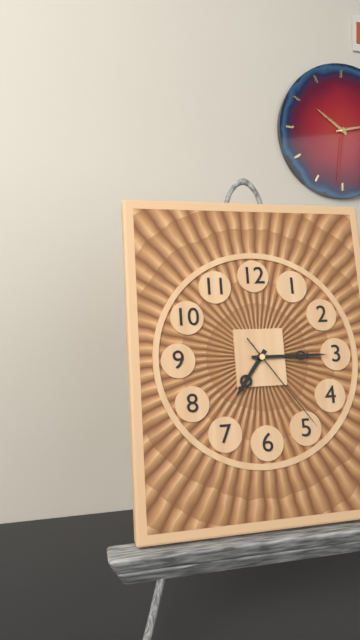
7:15:24
